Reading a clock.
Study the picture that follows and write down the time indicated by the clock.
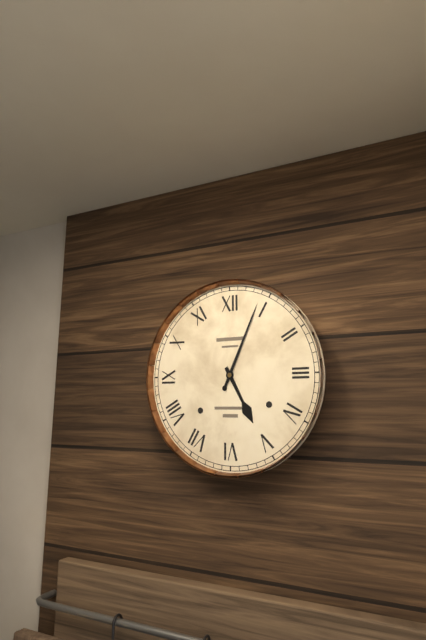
5:04
